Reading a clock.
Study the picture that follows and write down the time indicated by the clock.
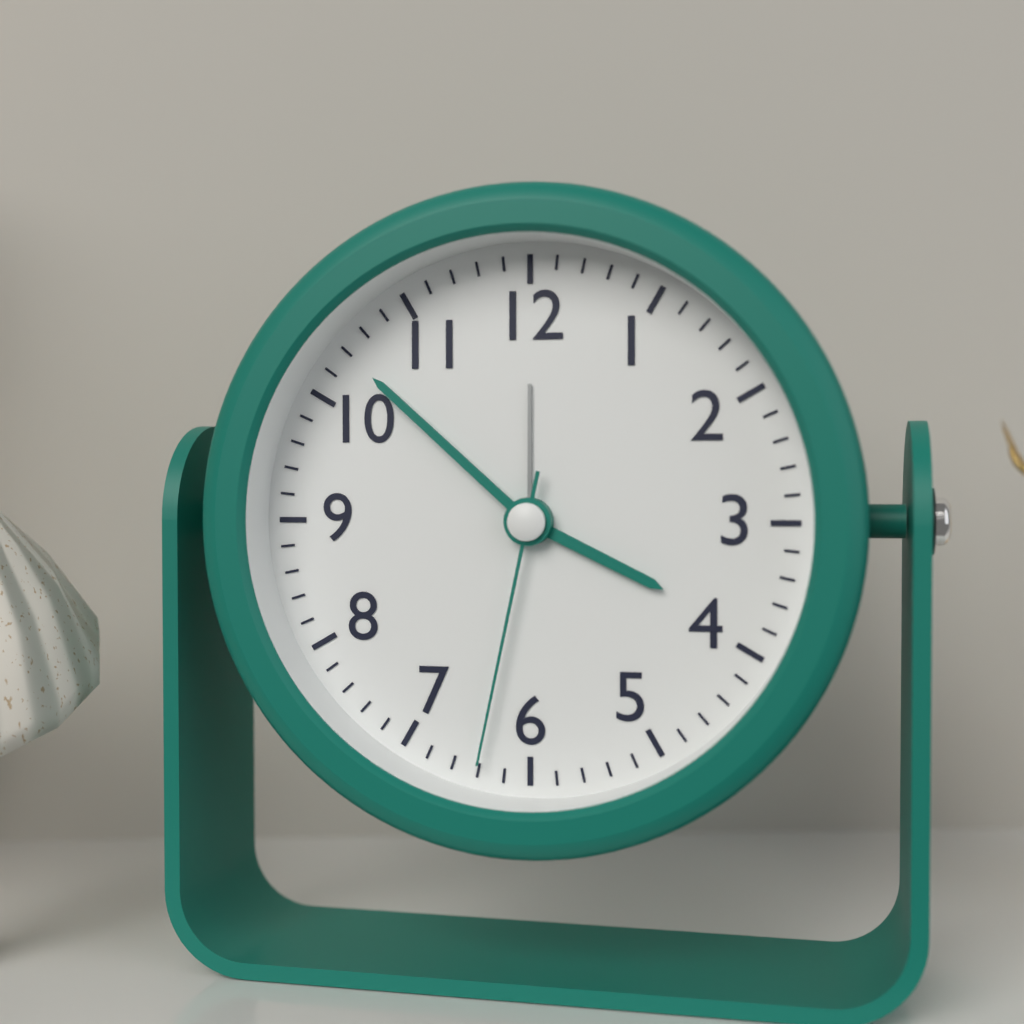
3:52:32
